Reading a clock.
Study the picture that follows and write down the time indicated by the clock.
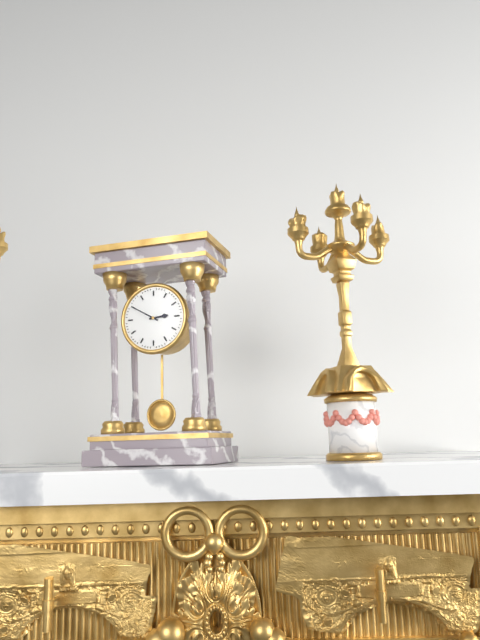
2:50
